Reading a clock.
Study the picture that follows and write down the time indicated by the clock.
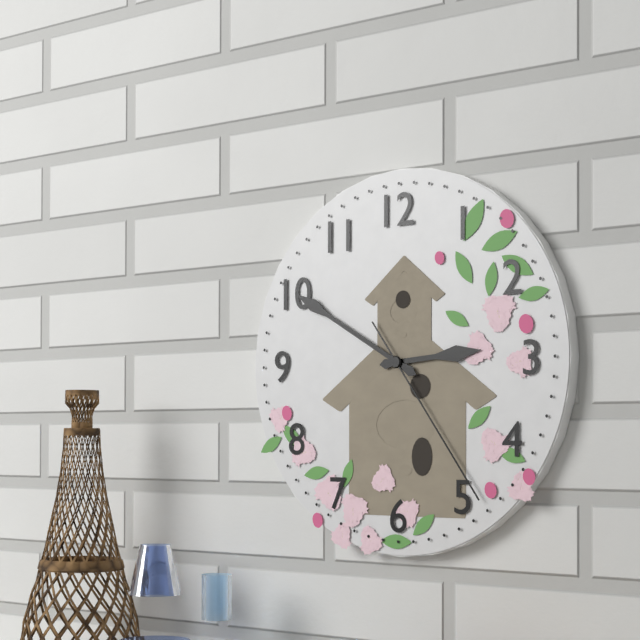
2:50:24
